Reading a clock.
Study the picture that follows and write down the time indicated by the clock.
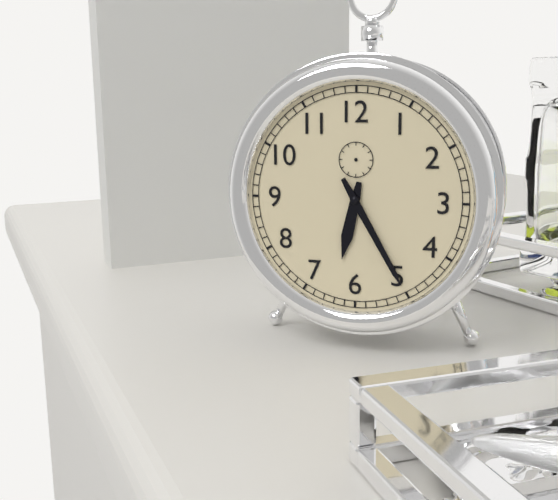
6:25
